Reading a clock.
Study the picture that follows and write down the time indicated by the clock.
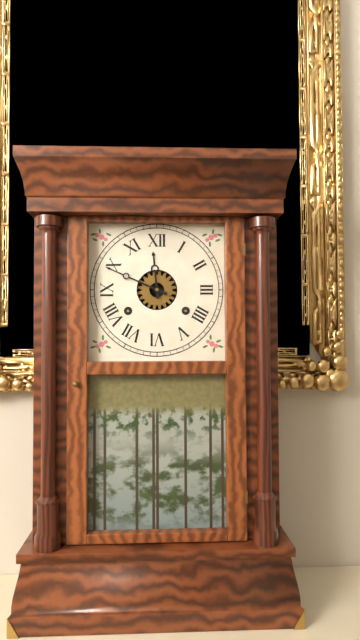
11:49
